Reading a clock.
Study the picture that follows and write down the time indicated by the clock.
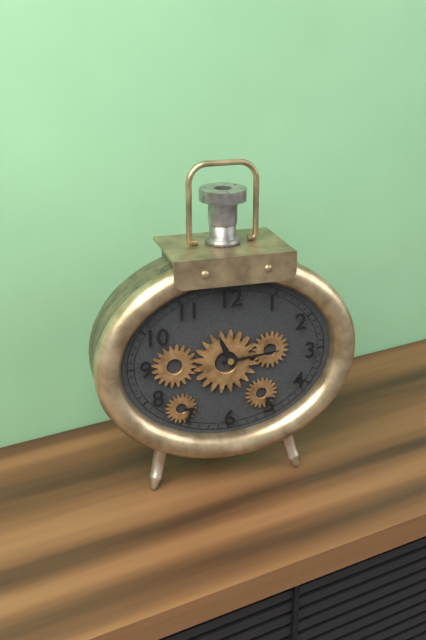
11:14
